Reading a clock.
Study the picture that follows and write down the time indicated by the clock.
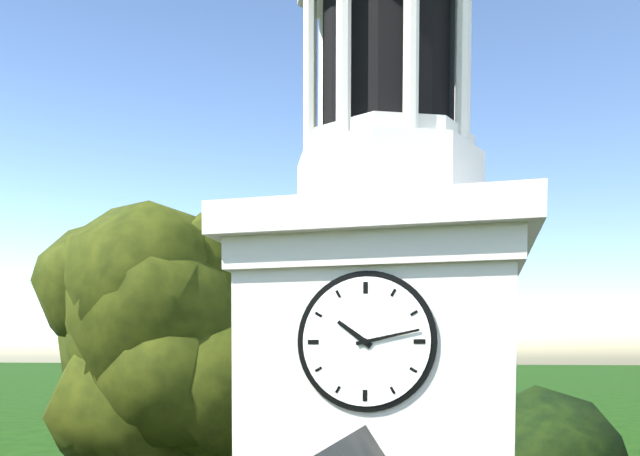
10:13
